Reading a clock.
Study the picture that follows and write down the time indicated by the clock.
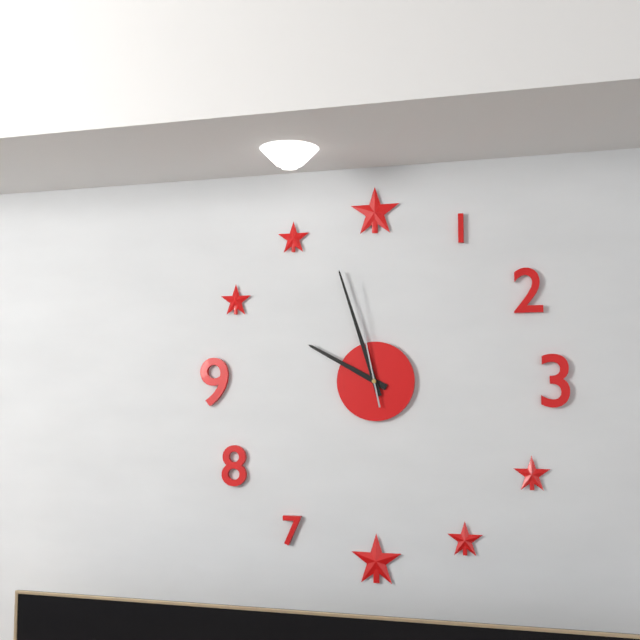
9:57:58
